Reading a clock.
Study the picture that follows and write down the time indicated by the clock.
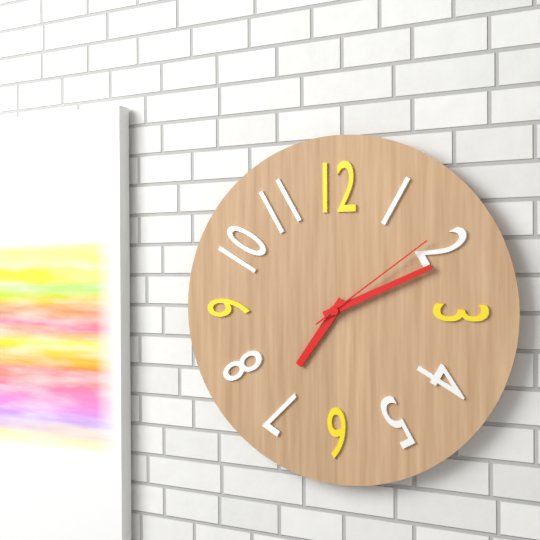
7:11:09
